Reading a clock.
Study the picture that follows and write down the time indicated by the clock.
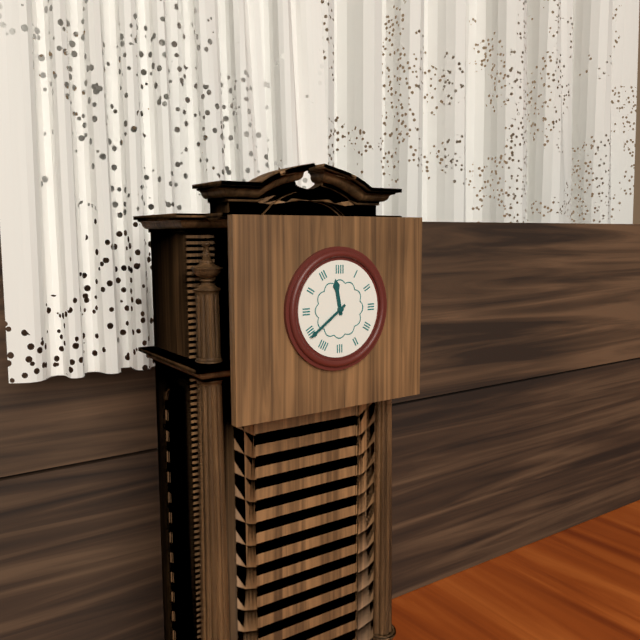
11:39
